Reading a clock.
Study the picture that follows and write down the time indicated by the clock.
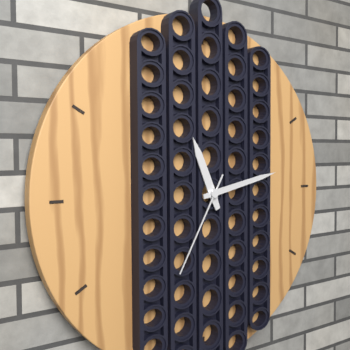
11:13:35
